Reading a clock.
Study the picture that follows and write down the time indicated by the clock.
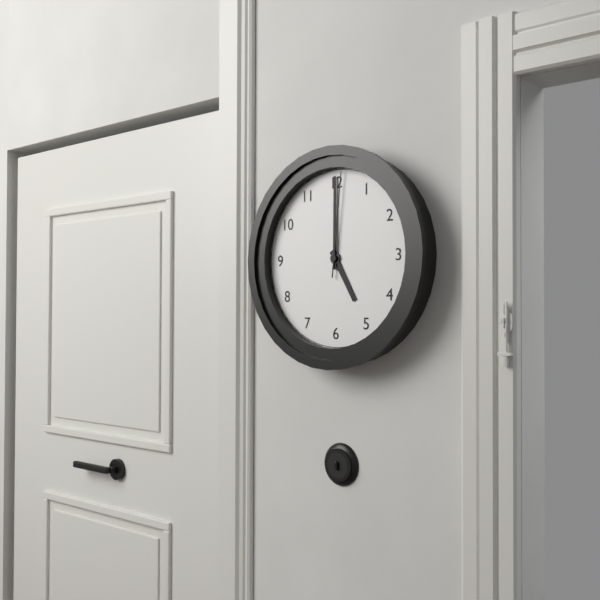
5:00:01
